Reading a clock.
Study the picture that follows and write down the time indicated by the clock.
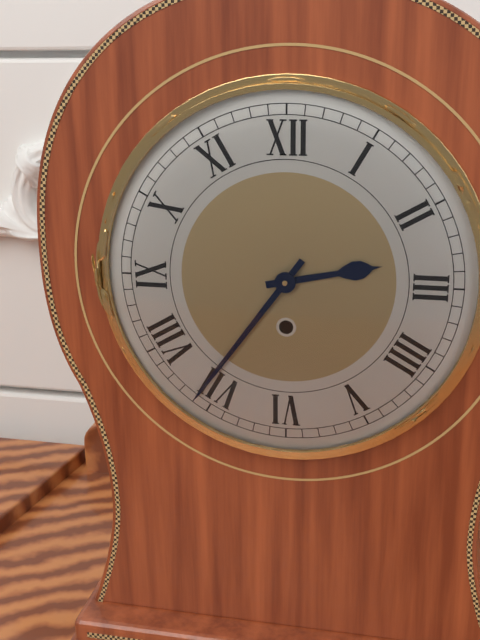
2:36
